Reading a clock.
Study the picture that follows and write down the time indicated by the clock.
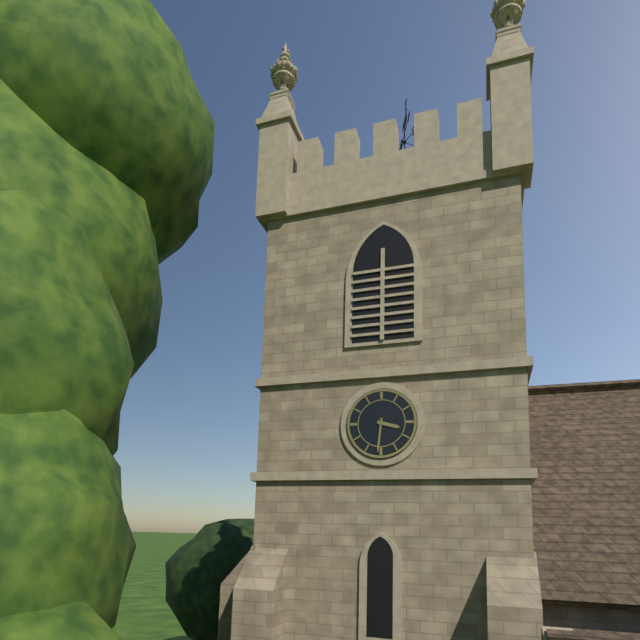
3:31
